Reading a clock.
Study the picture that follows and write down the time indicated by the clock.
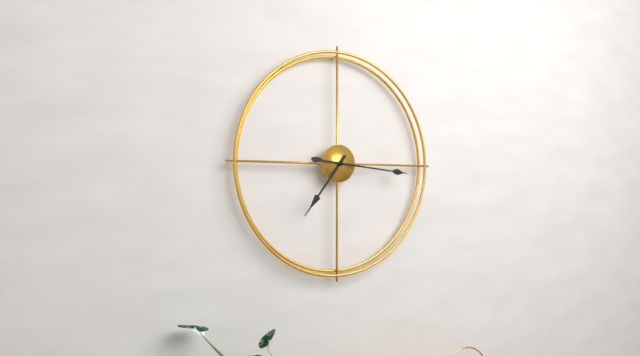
7:16
